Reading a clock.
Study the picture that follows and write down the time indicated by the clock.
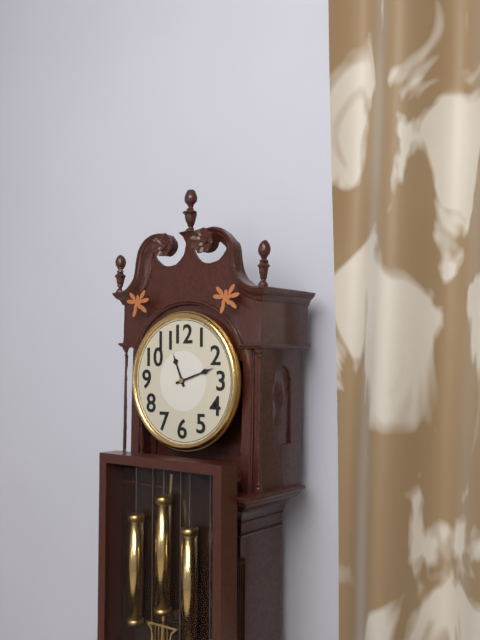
11:12
